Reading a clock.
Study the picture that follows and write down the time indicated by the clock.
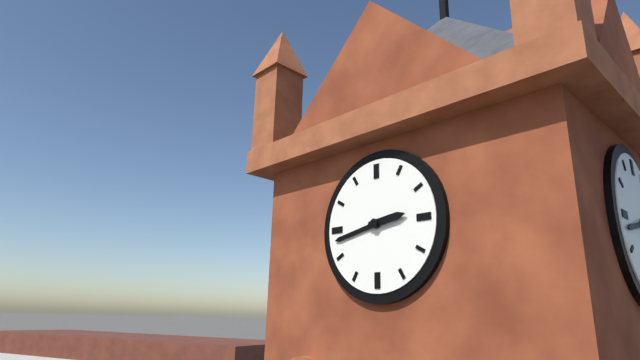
2:43
